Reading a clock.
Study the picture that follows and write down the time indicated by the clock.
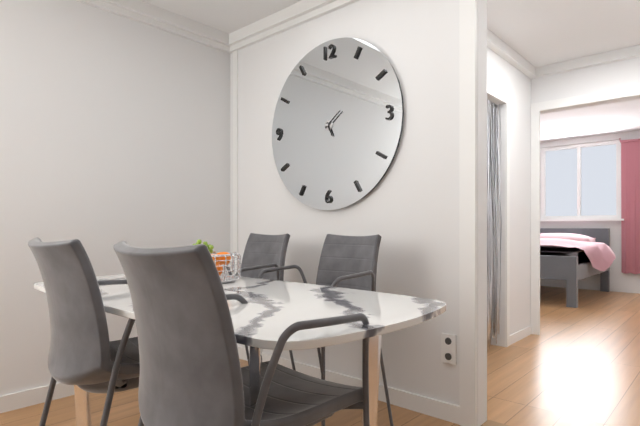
5:09
